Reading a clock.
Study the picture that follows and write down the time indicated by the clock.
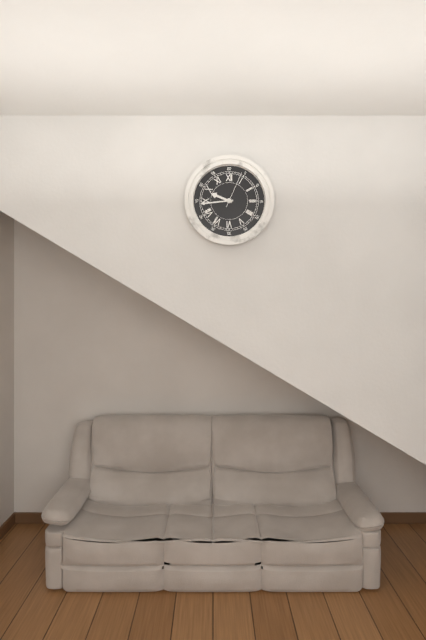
9:44
